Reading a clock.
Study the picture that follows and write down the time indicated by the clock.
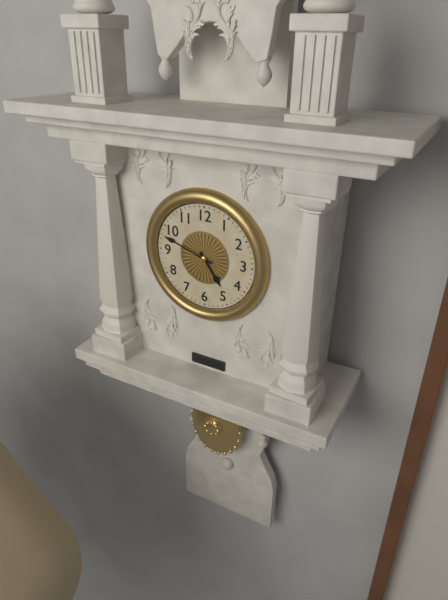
4:48
